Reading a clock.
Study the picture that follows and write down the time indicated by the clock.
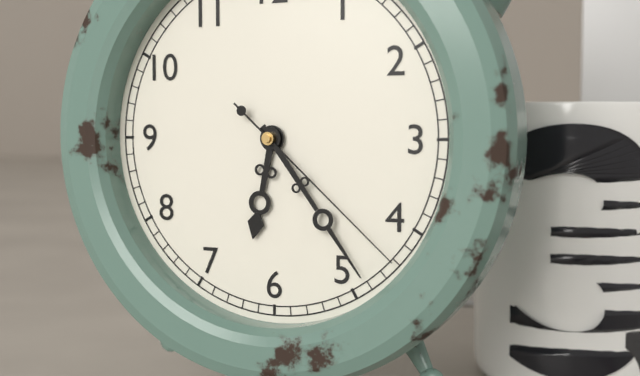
6:24:22
